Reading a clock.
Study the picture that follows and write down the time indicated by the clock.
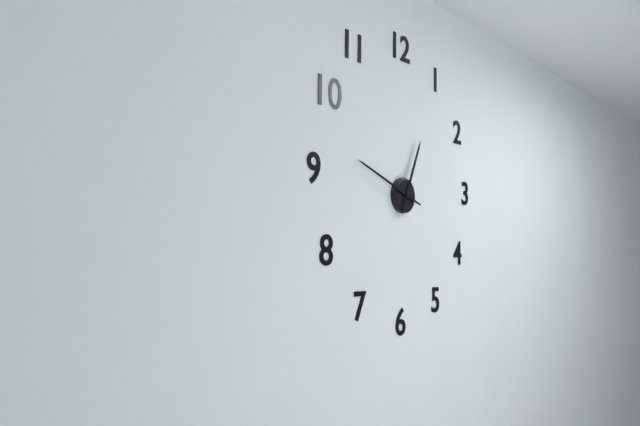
12:48
